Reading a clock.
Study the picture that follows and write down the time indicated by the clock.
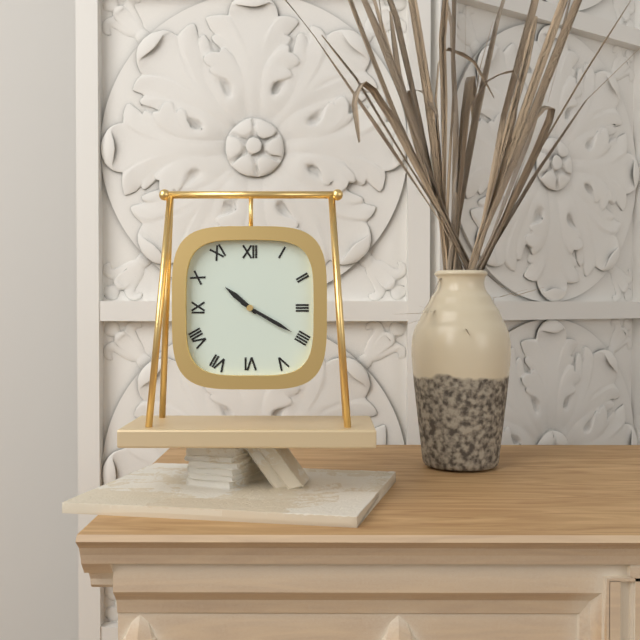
10:20
